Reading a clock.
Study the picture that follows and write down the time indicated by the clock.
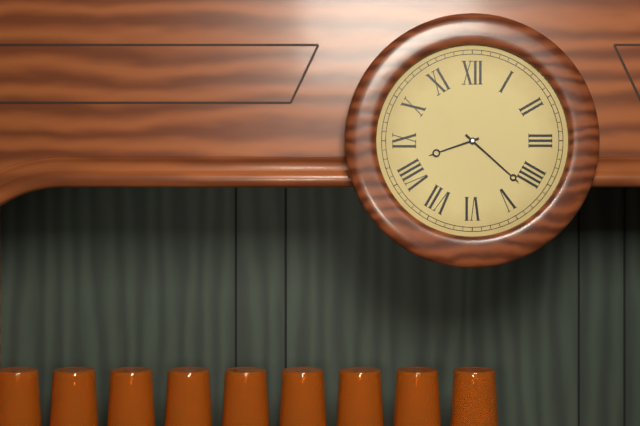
8:22
